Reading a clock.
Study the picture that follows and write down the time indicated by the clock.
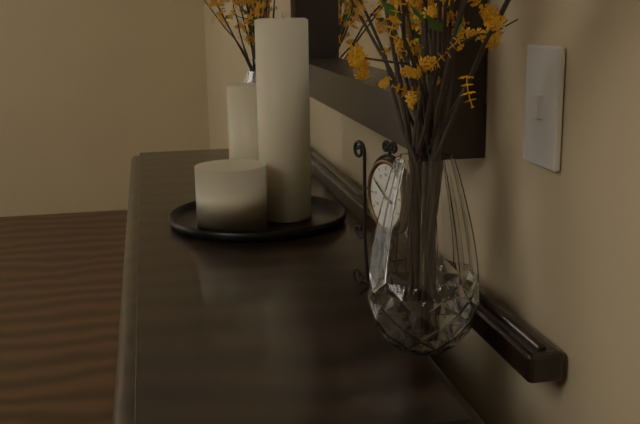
3:51
